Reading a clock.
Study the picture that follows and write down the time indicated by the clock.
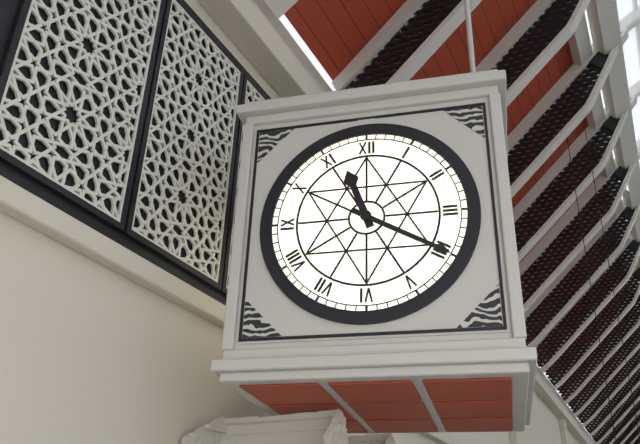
11:20
